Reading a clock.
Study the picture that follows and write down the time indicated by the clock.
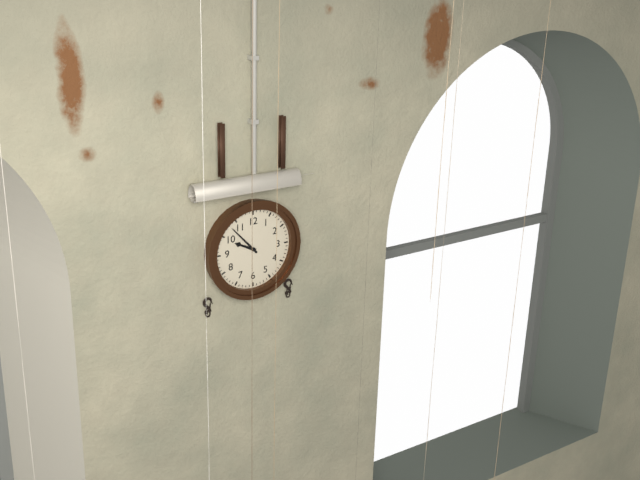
9:53
